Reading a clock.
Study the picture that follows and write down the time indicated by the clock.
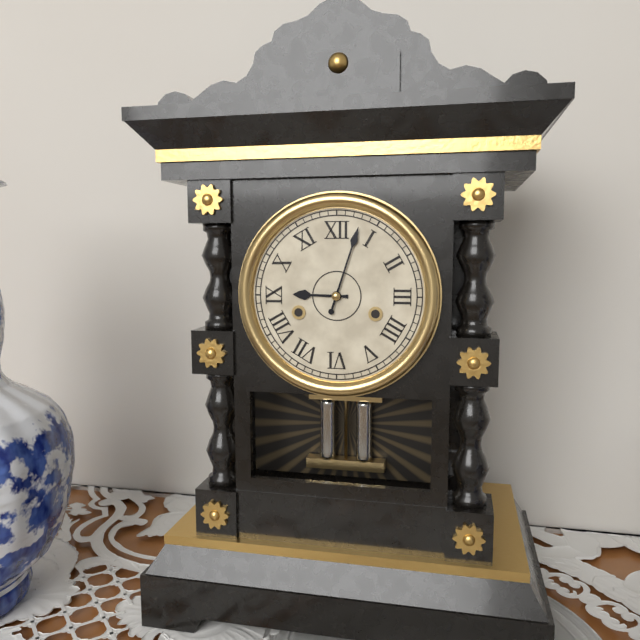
9:03
